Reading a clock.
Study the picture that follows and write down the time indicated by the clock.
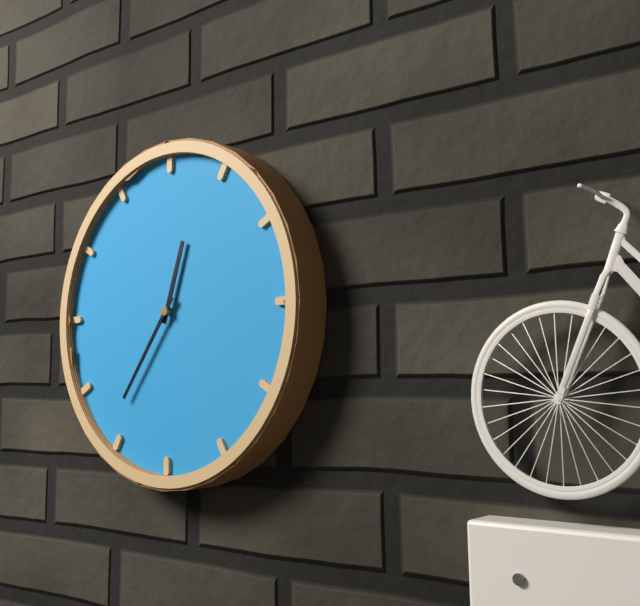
12:36
